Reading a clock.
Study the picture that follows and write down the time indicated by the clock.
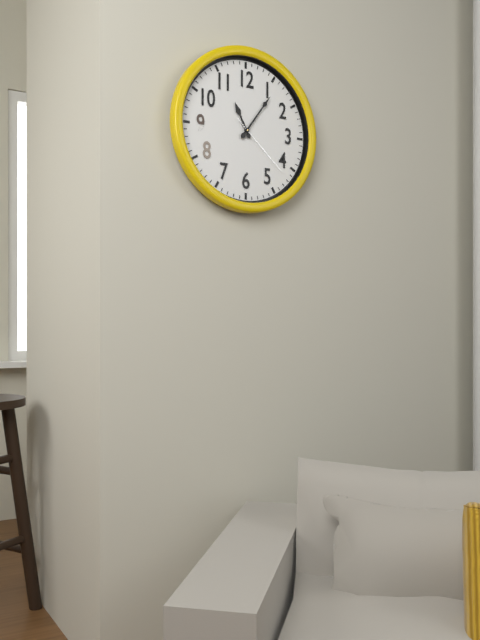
11:06:22
